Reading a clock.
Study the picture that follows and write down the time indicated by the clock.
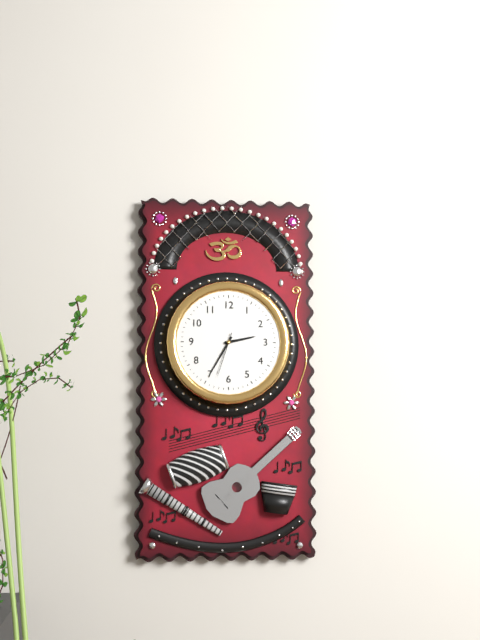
2:35
